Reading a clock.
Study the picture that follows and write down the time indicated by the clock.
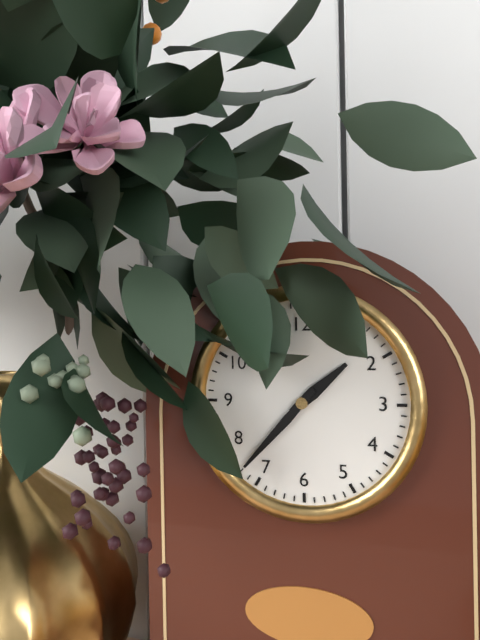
1:37
